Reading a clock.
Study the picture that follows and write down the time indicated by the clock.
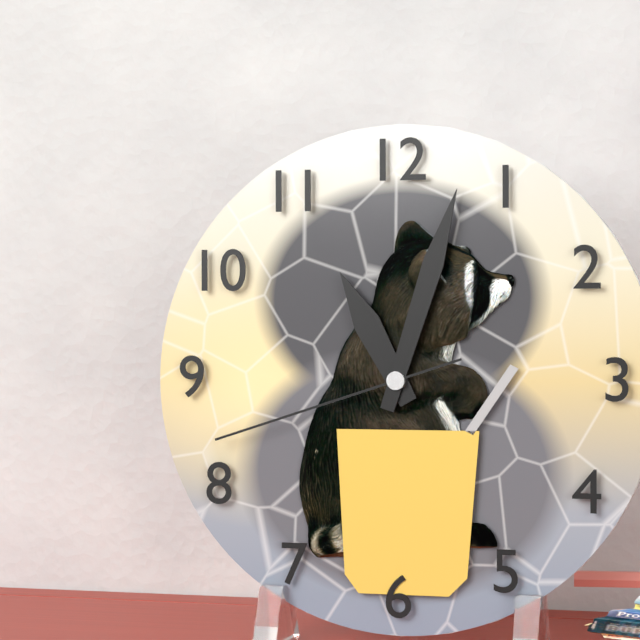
11:03:42
